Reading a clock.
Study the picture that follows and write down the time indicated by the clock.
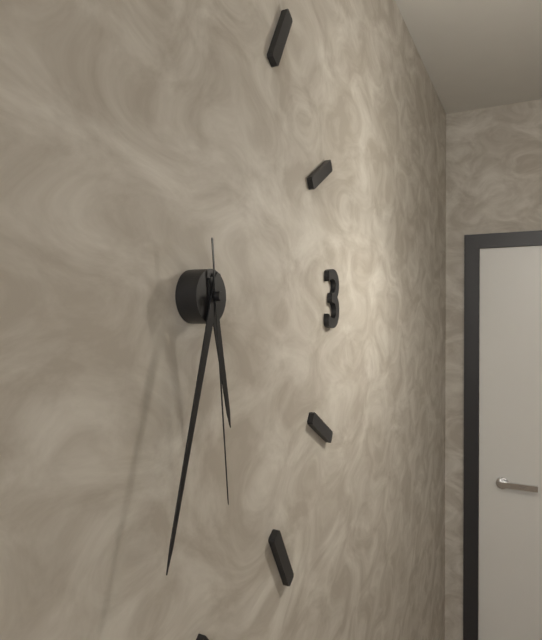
5:33:29
